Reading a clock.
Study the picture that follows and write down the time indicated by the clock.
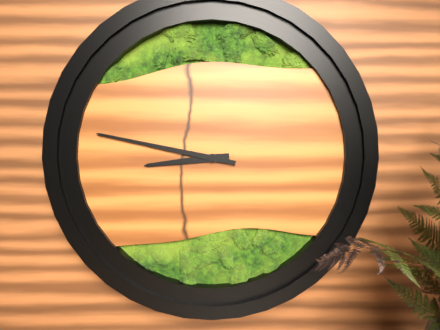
8:47
